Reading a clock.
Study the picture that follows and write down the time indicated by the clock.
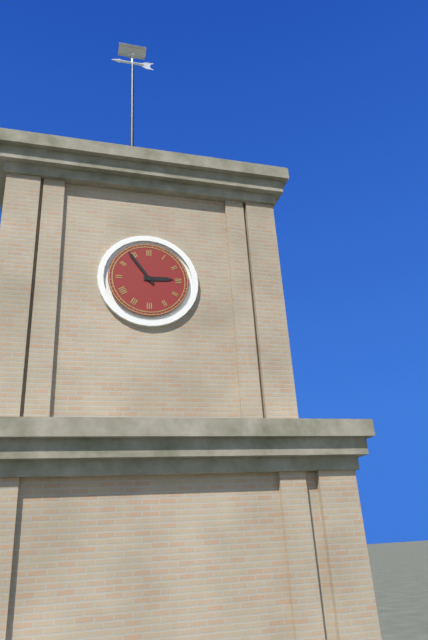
2:54
